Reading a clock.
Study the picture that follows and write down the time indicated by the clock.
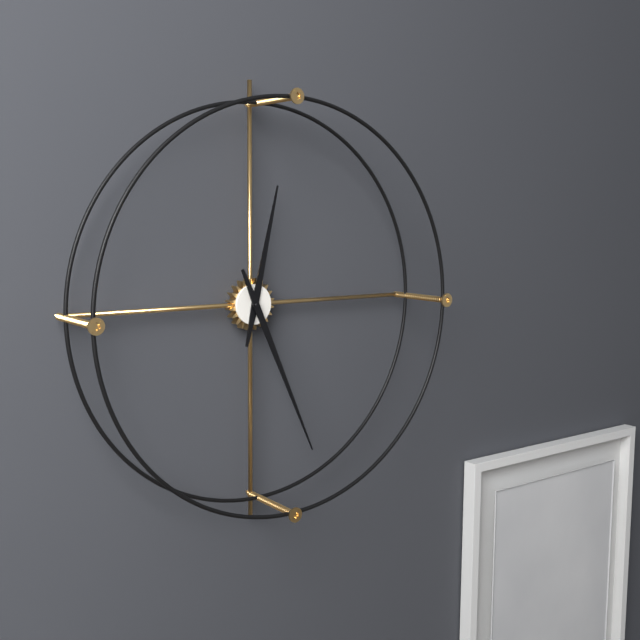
12:26
